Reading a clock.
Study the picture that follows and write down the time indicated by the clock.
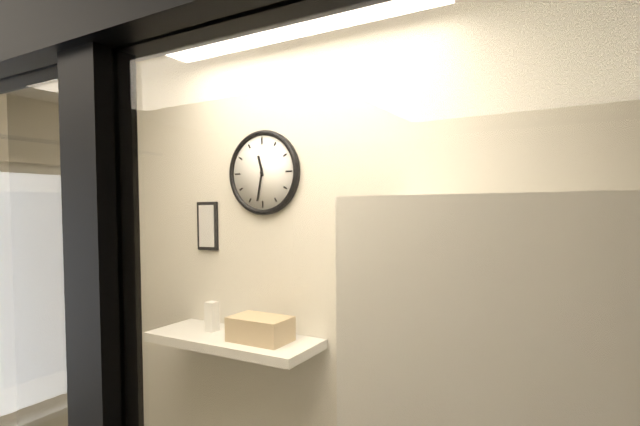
11:32
